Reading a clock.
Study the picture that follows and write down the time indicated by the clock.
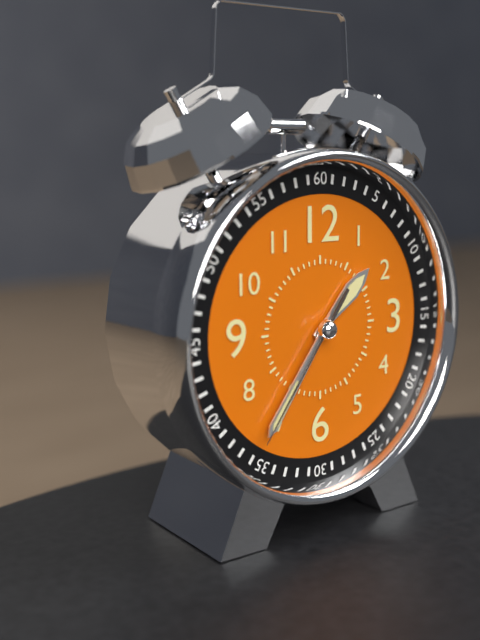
1:36:36
